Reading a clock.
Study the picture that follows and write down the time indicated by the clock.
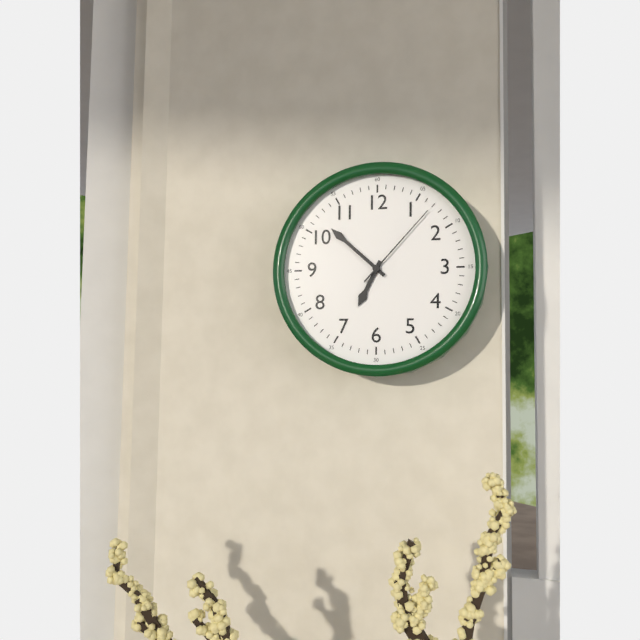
6:52:07
